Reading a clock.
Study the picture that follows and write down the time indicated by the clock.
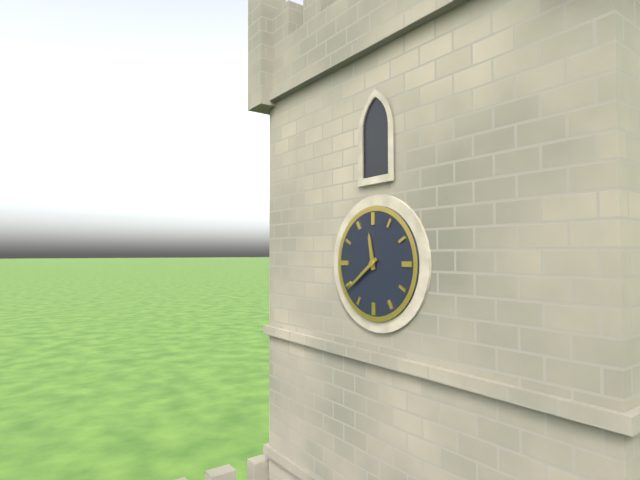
11:39
